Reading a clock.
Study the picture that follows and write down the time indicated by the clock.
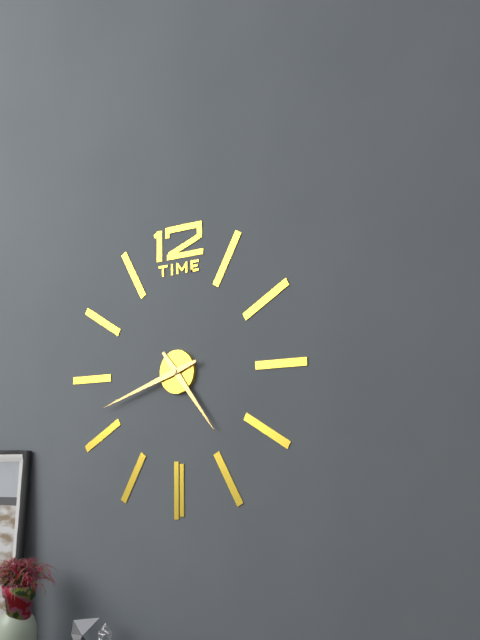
4:42
